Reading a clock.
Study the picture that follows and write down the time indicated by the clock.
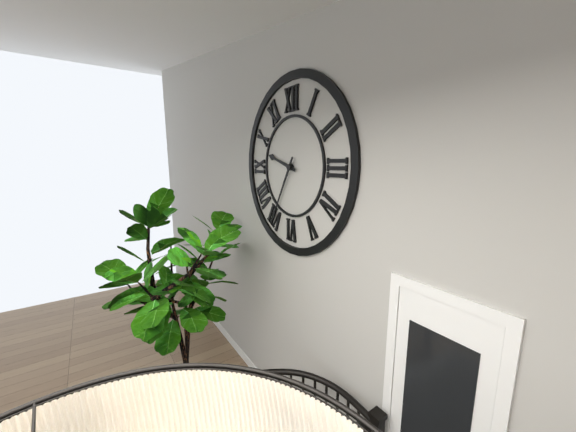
9:35
